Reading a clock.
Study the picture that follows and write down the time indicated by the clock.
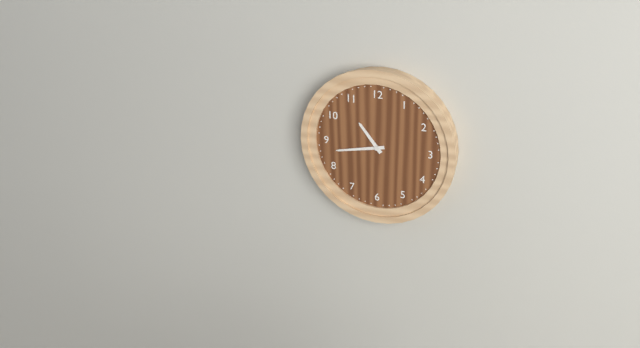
10:43
